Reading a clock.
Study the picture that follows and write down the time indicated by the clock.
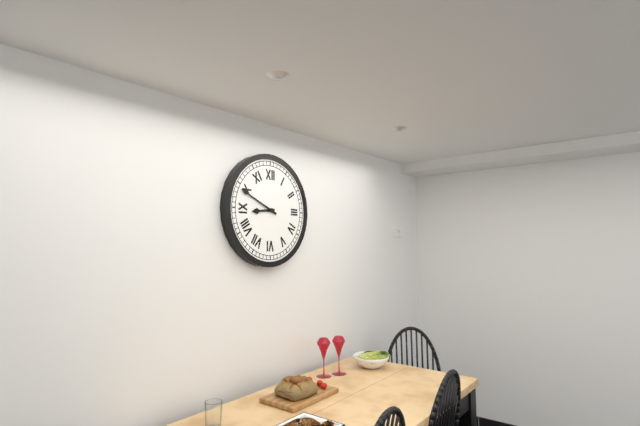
8:49
